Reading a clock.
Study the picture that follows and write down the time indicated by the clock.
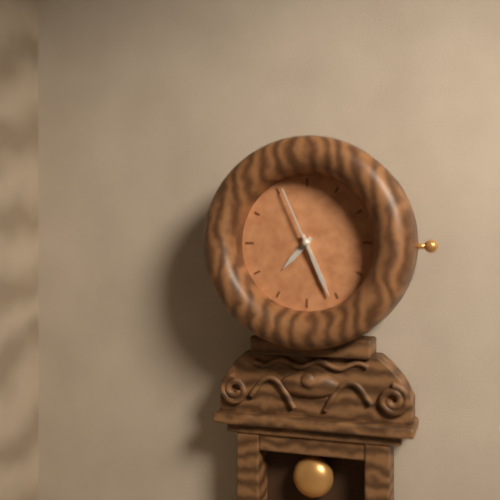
7:26:56
